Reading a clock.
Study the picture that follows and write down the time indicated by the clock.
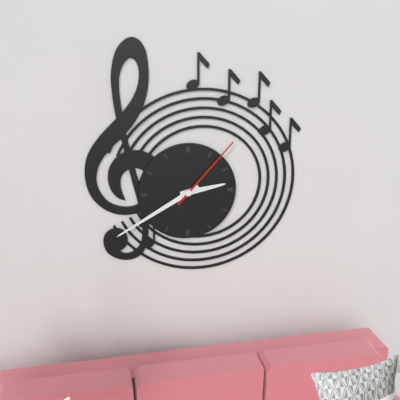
2:40:07
